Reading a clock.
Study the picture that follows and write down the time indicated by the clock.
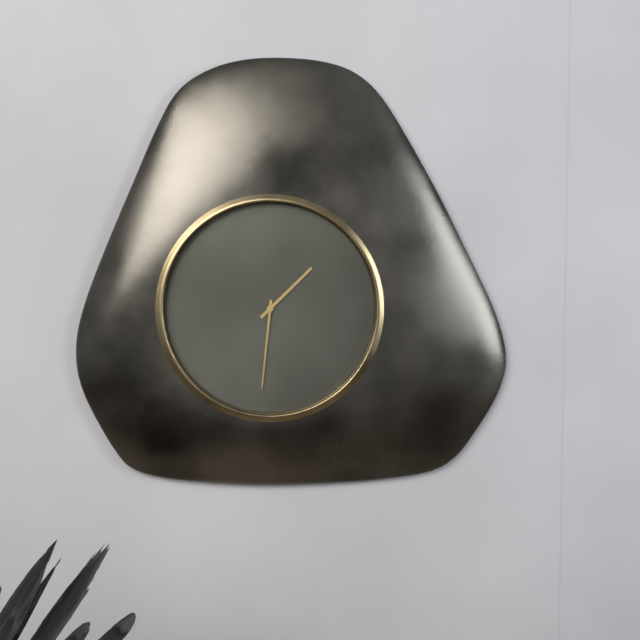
1:31
